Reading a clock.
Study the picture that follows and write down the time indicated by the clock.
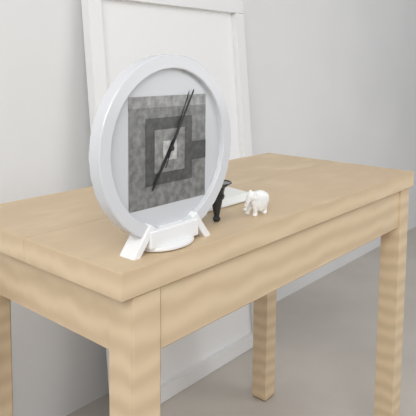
7:05:04
